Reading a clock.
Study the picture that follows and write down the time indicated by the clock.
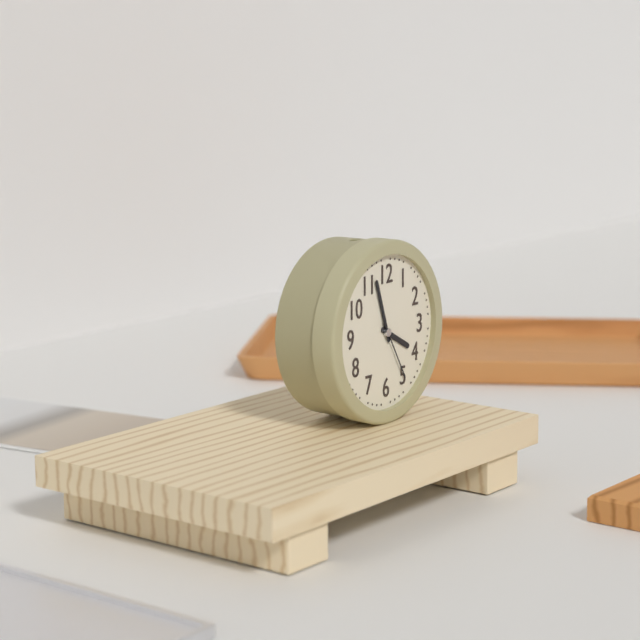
3:57:25
